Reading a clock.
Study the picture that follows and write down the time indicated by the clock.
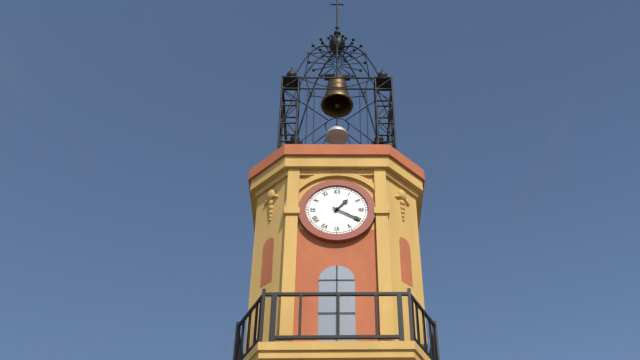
1:20
